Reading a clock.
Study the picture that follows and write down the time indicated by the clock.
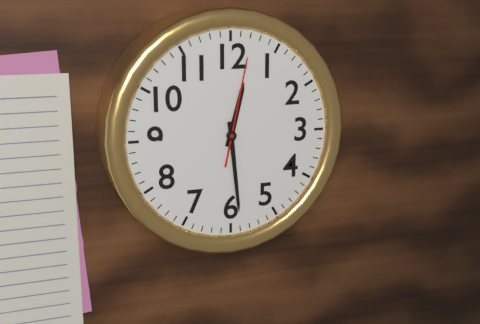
12:29:02
